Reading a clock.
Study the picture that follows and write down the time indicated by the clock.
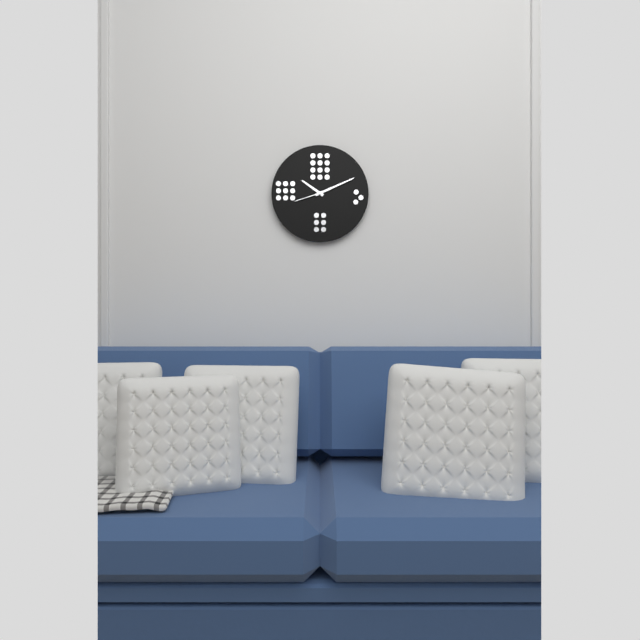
10:11
